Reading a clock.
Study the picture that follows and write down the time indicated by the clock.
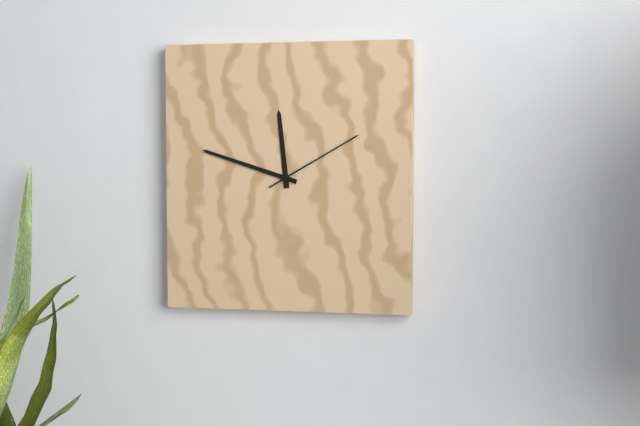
11:48:10
